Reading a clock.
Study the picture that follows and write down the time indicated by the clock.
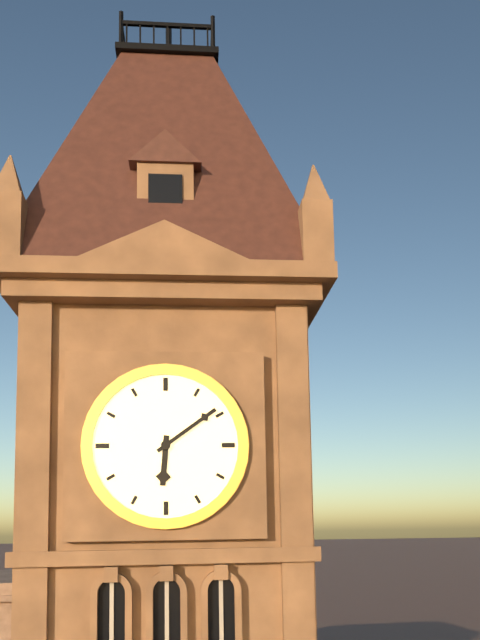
6:09
